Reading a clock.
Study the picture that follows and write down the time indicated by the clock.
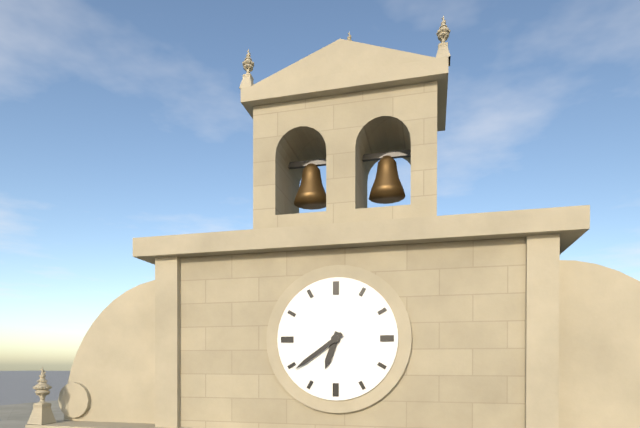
6:39
